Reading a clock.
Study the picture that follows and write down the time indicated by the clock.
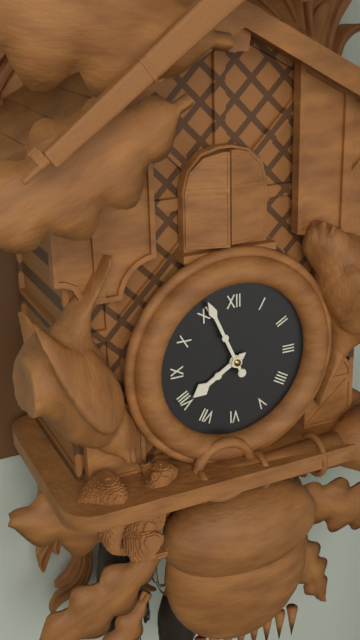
7:56
